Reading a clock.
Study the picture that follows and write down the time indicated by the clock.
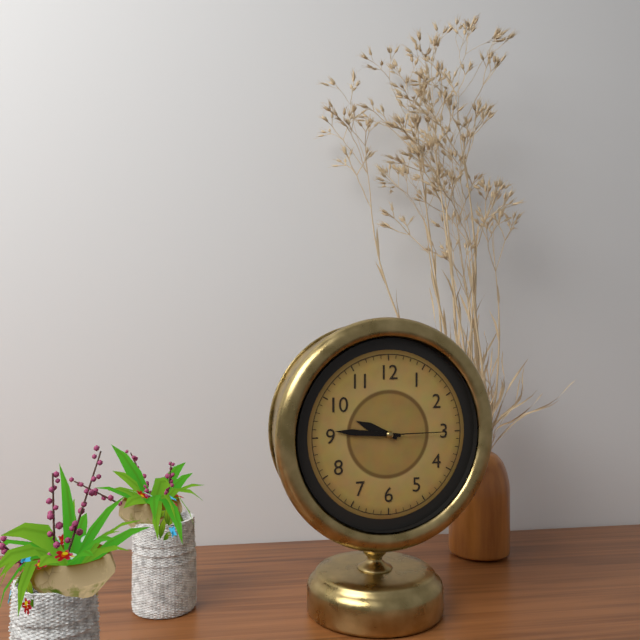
9:46:15
